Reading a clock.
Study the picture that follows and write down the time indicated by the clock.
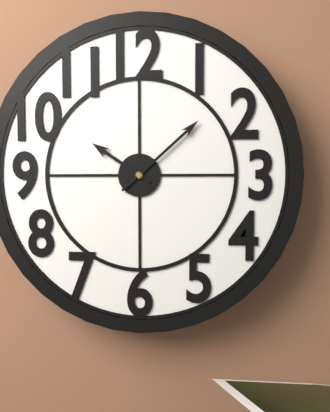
10:08
